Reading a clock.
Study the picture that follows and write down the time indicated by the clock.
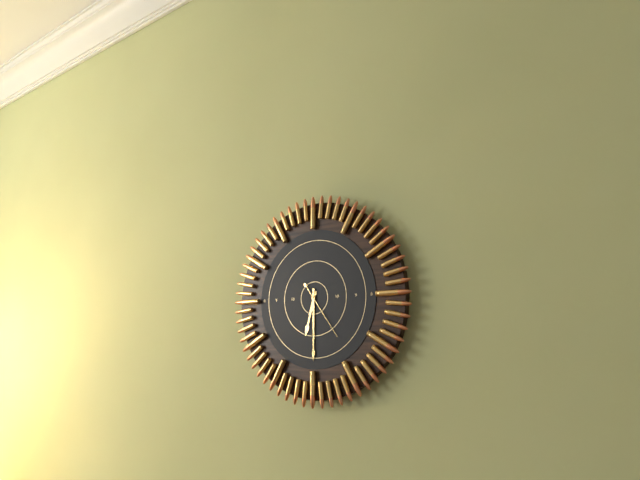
6:30:24
